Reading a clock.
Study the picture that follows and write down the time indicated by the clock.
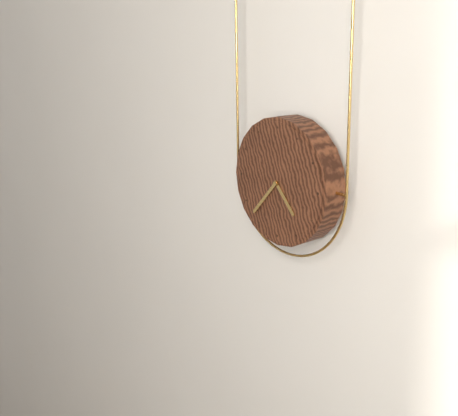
4:37
